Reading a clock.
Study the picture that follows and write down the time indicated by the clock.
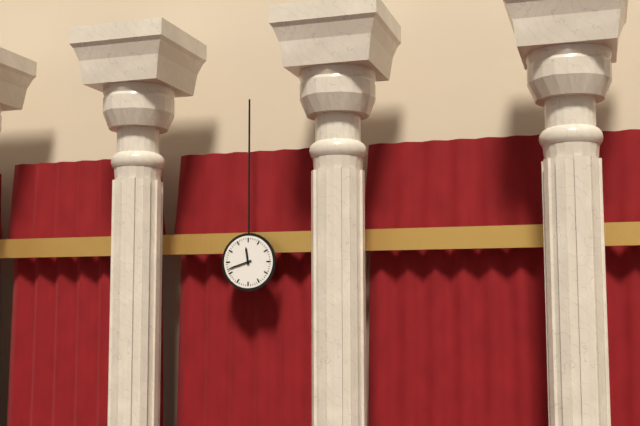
11:42
